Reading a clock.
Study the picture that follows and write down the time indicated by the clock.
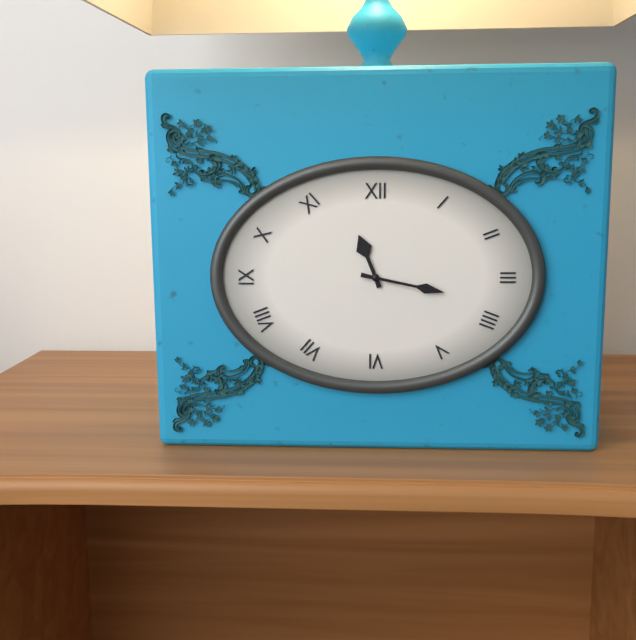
11:17
